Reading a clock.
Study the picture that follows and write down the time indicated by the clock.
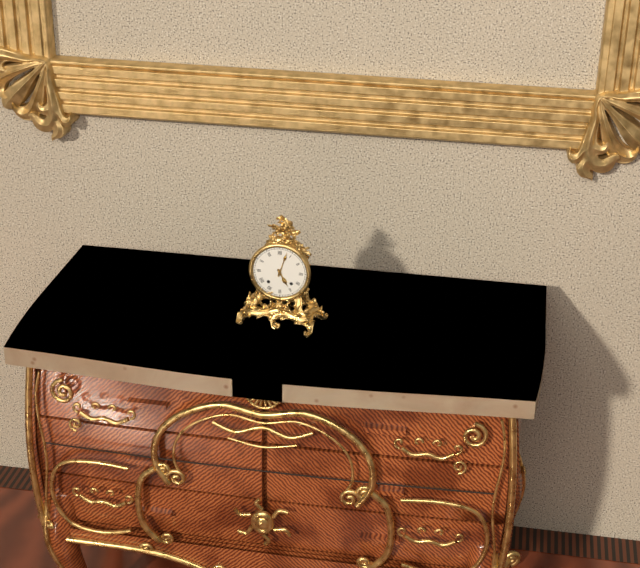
5:03
